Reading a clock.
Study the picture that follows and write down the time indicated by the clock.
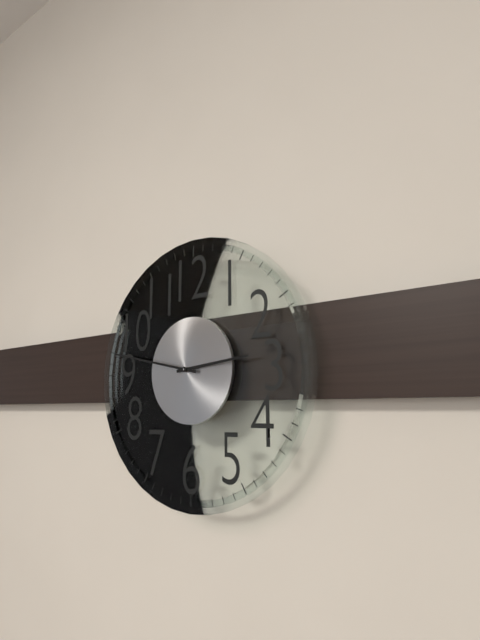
2:47
